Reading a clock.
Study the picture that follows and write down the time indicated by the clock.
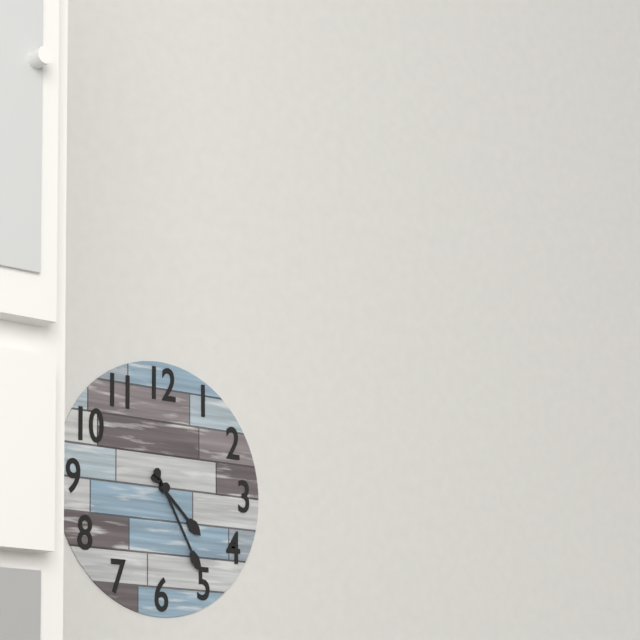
4:25
